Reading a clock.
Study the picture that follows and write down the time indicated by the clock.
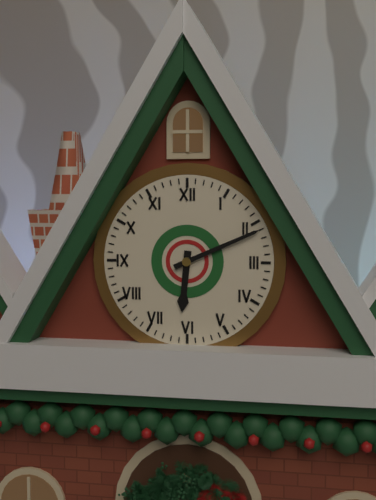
6:11
